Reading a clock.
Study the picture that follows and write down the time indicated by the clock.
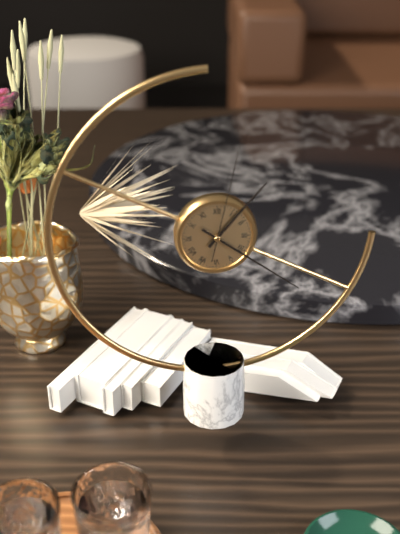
1:21:02
